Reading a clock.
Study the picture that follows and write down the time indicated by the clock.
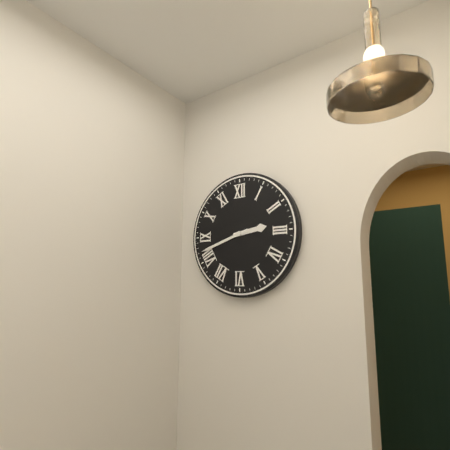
2:42
